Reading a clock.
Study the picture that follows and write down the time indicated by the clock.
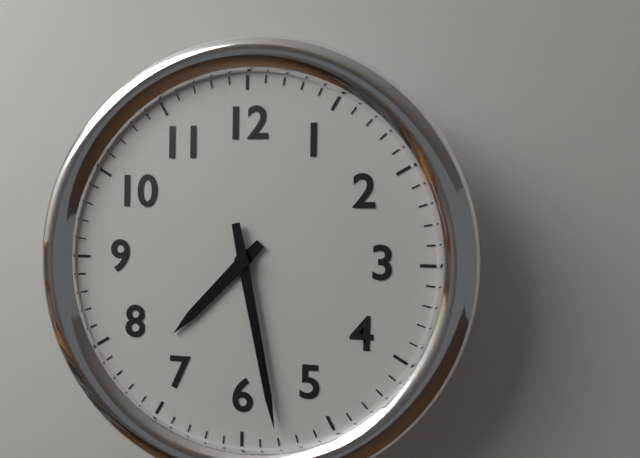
7:28
